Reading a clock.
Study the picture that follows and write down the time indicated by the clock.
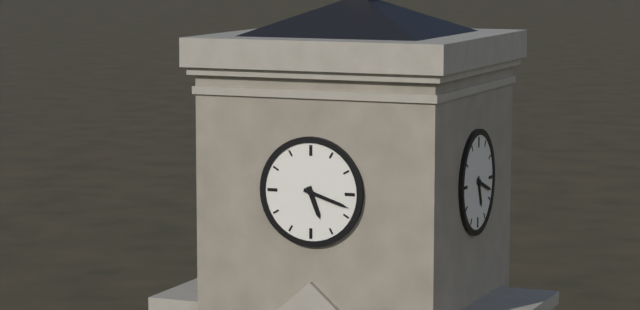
5:18
